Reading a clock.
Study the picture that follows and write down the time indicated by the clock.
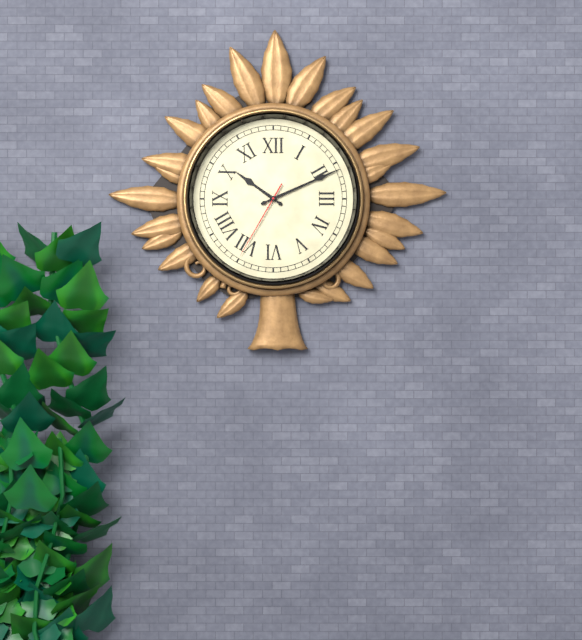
10:11:35
